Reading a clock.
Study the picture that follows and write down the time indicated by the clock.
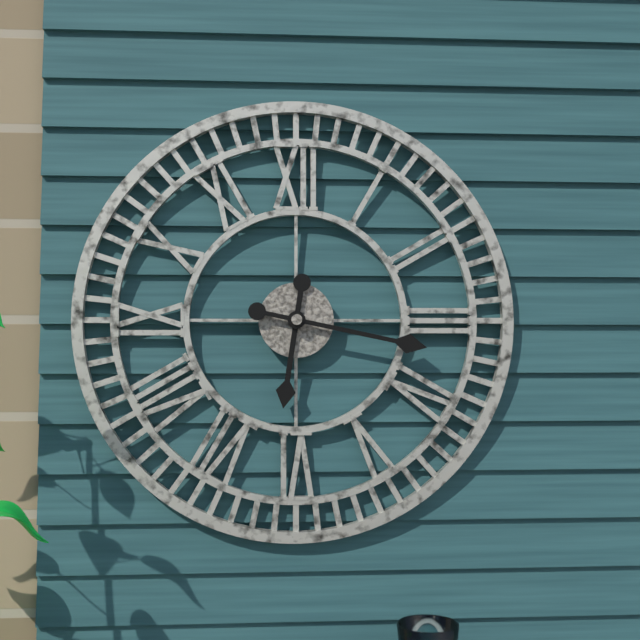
6:17
